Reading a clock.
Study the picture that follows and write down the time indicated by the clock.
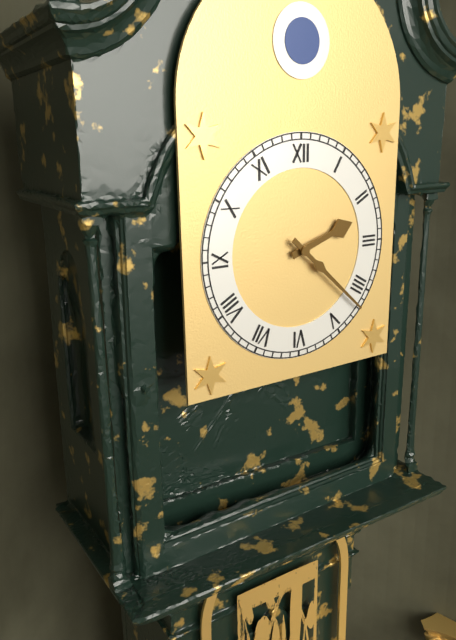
2:22
